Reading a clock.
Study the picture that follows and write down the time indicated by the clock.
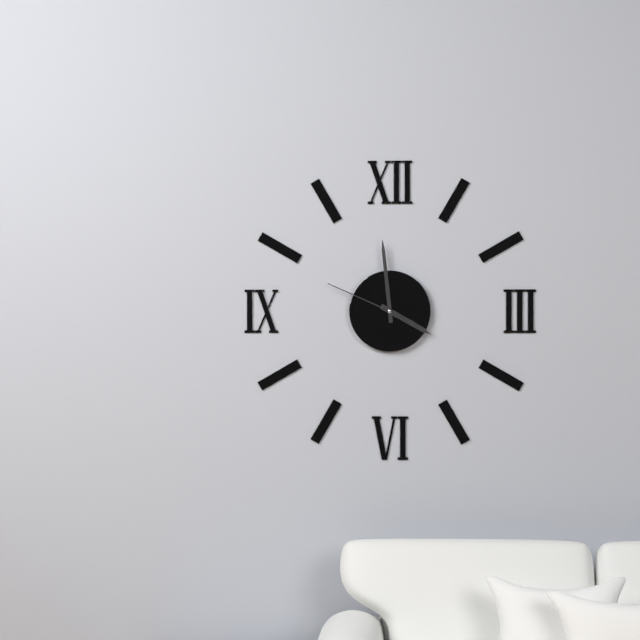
3:59:49
